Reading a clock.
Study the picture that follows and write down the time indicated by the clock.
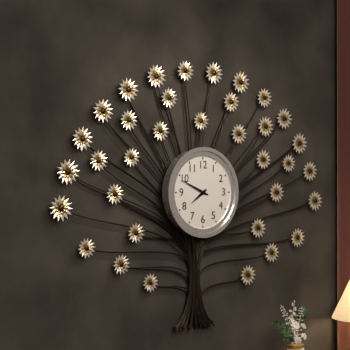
7:49
